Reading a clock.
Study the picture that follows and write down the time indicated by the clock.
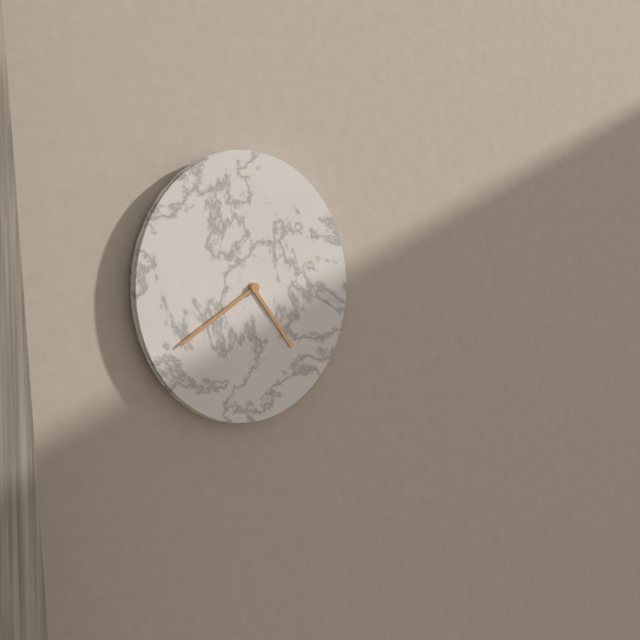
4:40
